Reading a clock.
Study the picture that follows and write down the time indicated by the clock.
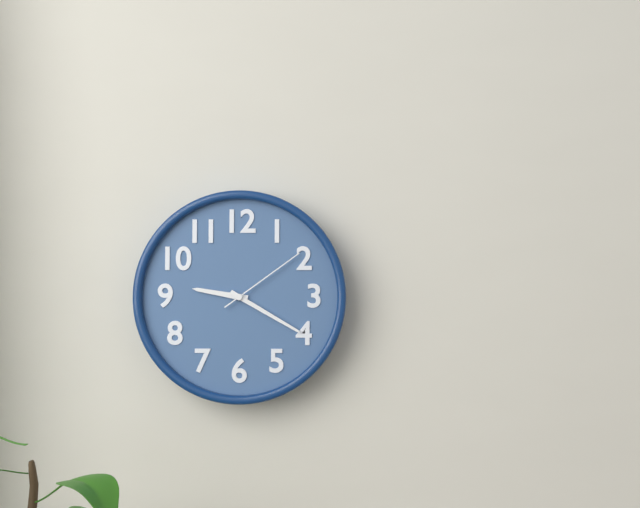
9:20:09
